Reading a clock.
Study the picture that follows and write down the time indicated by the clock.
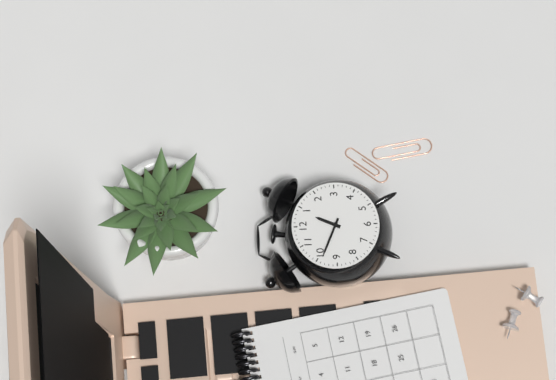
12:49
